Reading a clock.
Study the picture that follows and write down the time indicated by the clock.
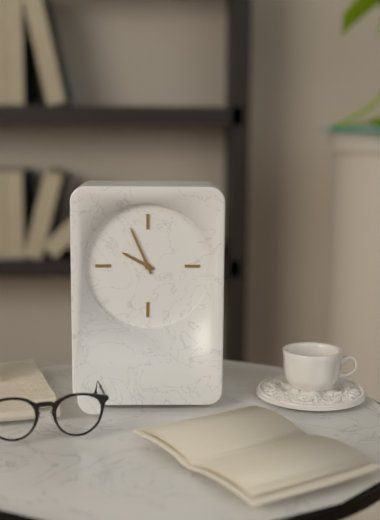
9:56
